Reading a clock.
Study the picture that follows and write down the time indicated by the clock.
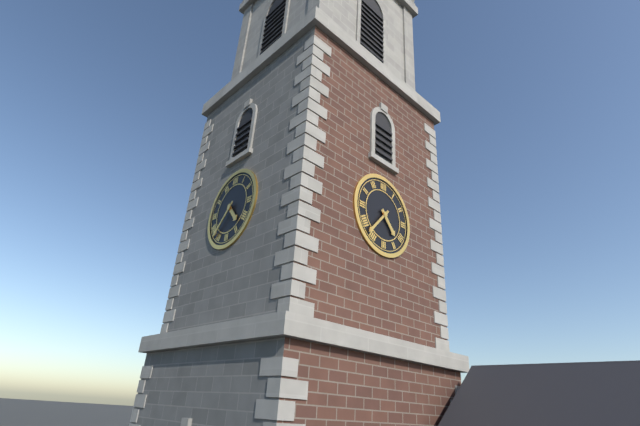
4:37
